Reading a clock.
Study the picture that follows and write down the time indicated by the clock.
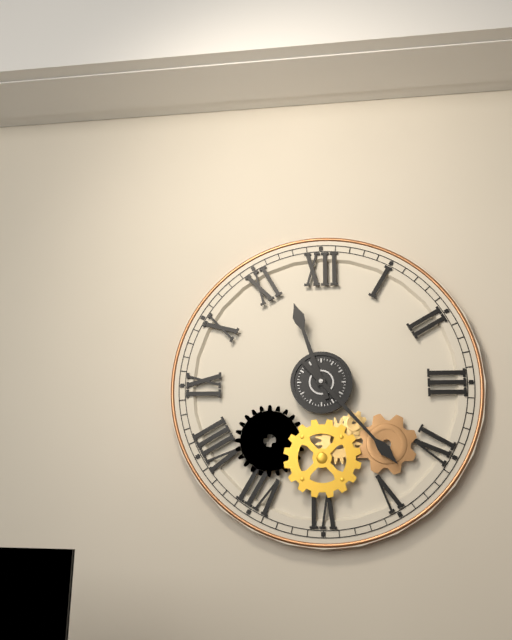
11:23
